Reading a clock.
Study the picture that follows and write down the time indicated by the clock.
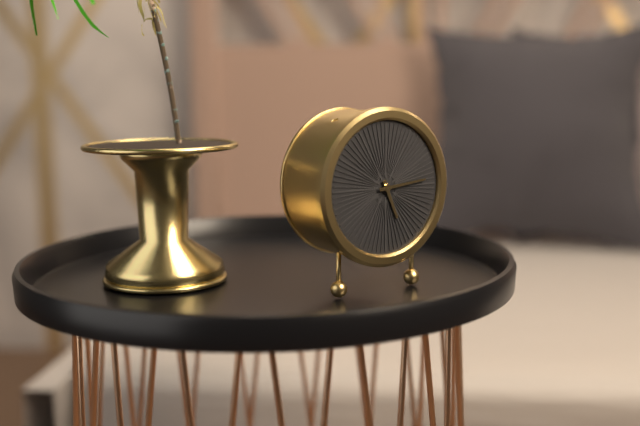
5:14
